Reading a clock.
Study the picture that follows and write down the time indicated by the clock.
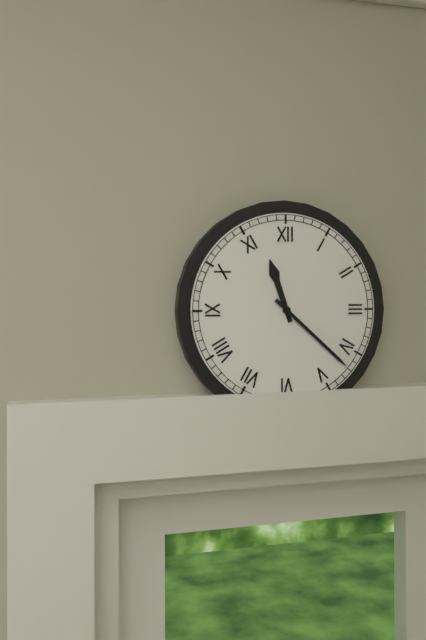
11:22
